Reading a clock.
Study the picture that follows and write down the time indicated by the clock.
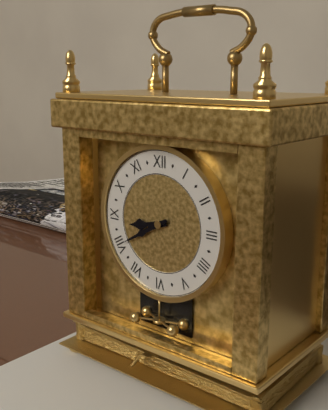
8:40
